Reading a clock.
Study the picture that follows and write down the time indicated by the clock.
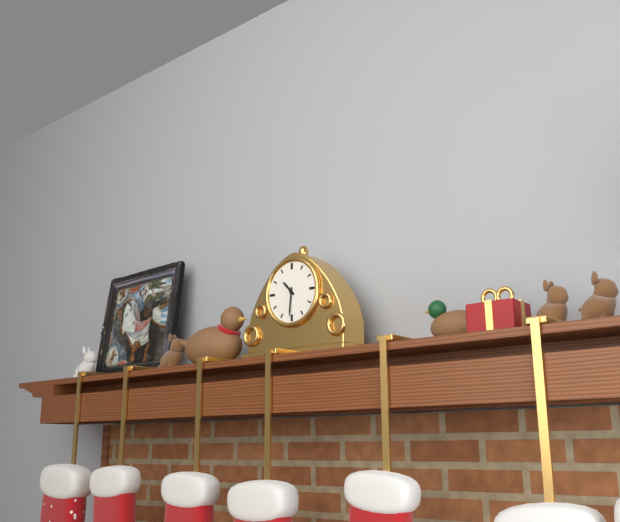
10:31
